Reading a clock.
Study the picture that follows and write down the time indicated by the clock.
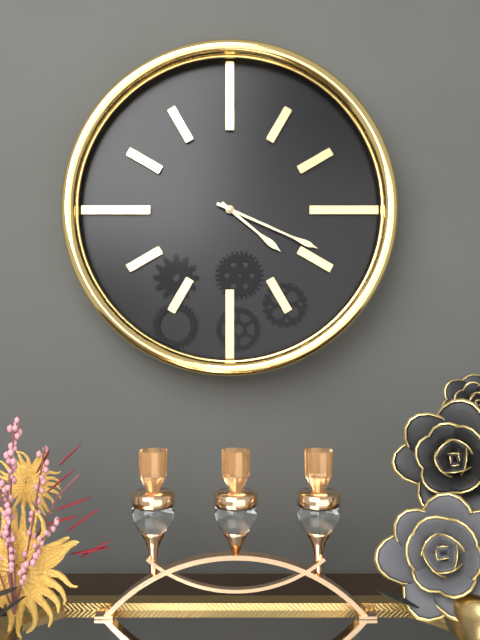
4:19
